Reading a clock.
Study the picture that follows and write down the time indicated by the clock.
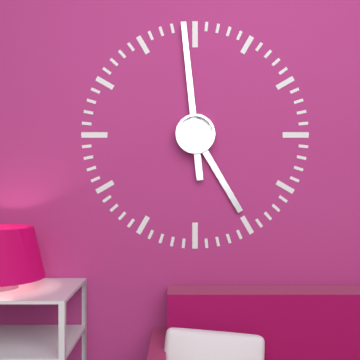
4:59
